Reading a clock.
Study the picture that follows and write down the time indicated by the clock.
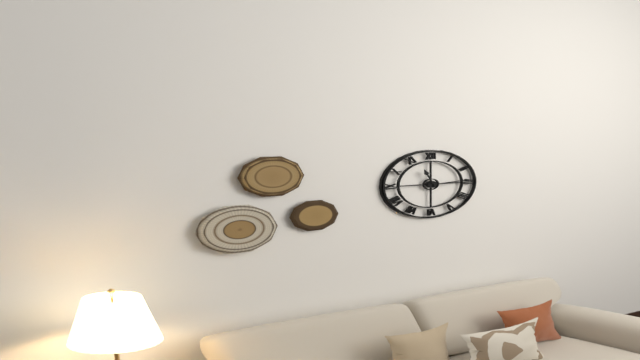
11:14
